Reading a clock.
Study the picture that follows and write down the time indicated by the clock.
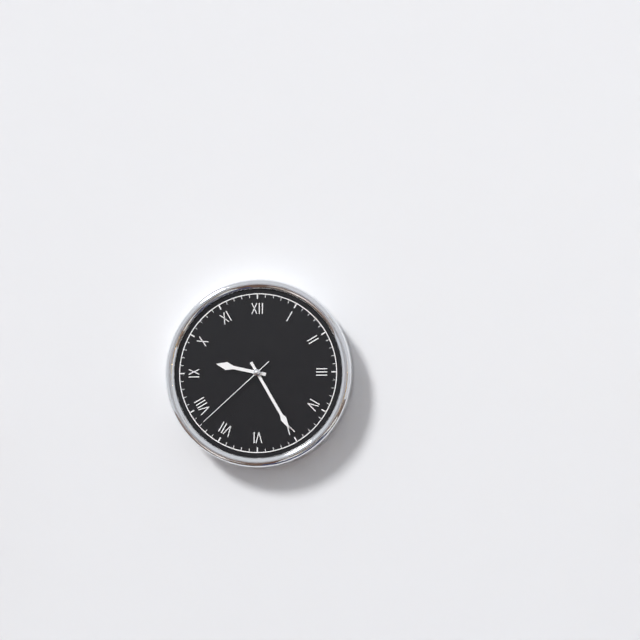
9:25:38
